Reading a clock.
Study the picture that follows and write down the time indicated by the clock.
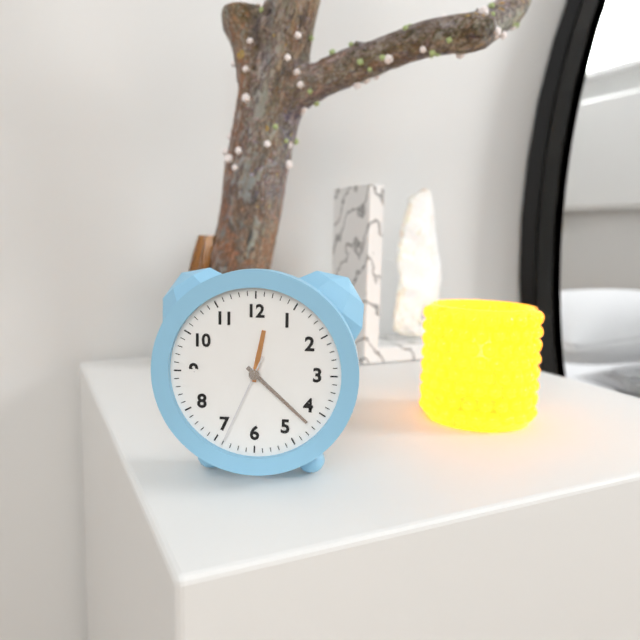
12:22:34
